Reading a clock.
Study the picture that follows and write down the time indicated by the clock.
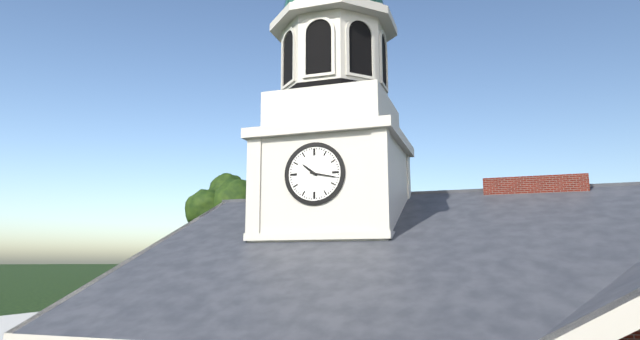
10:17
